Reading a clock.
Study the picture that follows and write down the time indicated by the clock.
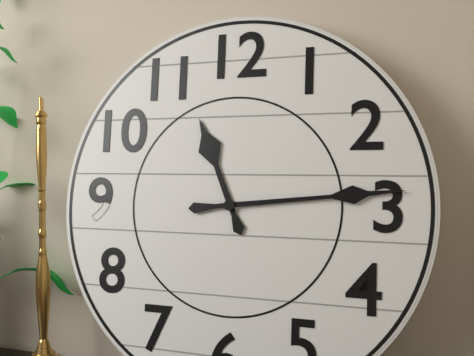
11:14
